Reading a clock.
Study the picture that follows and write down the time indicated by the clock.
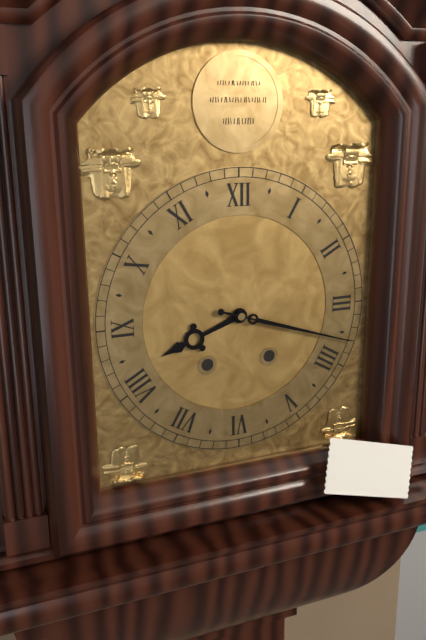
8:18
